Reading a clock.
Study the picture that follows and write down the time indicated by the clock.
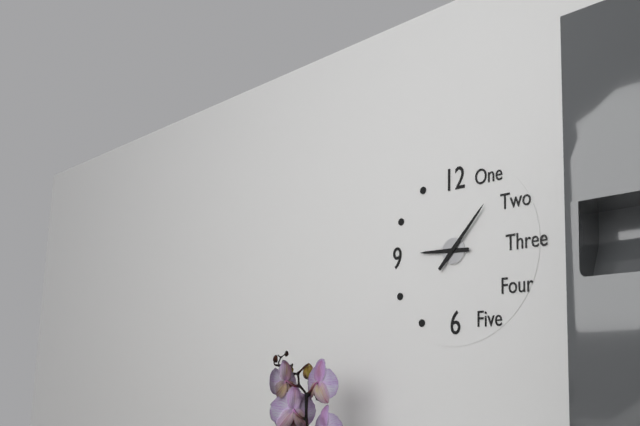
9:07
